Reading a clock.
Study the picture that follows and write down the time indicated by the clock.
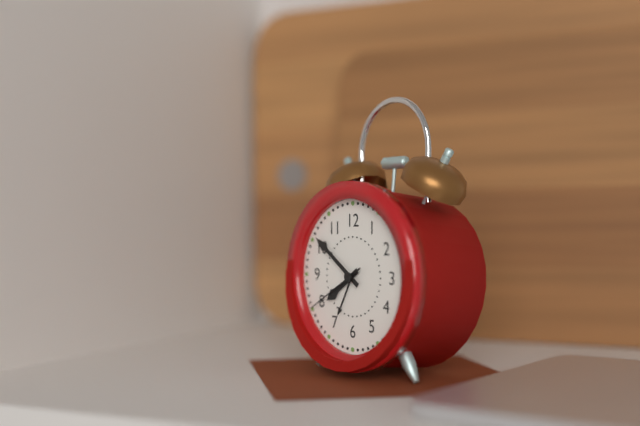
7:51:40
